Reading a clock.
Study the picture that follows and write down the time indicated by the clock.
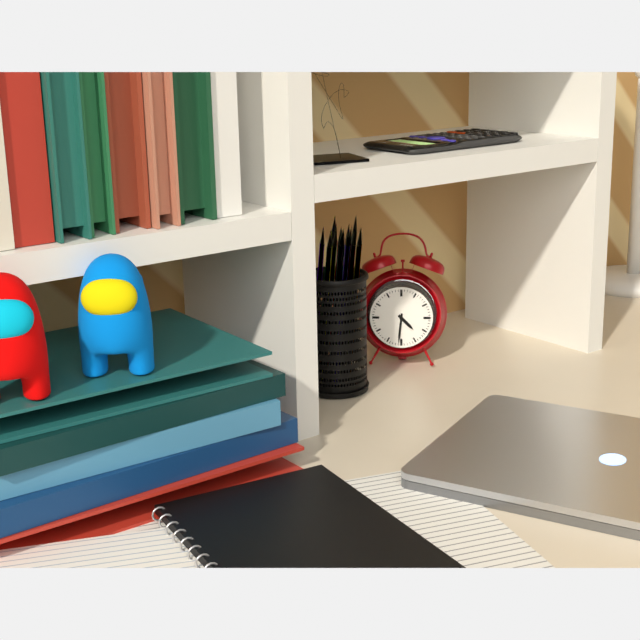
4:31
